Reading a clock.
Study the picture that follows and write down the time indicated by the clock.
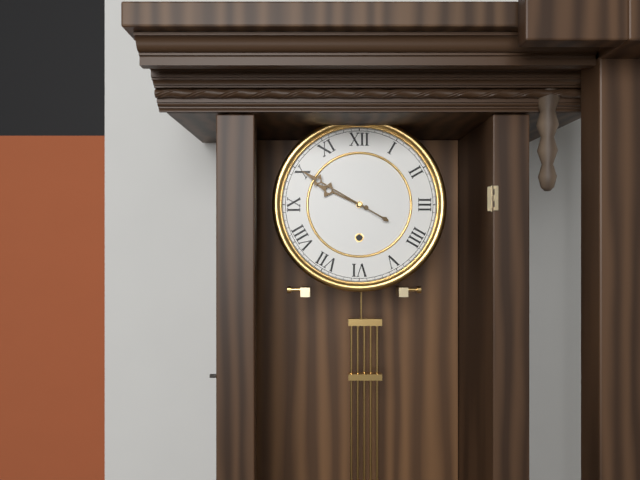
9:50
